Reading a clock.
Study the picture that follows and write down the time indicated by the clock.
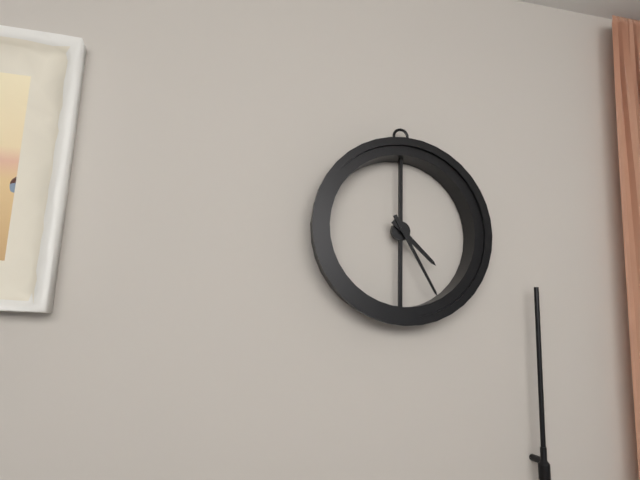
4:25
